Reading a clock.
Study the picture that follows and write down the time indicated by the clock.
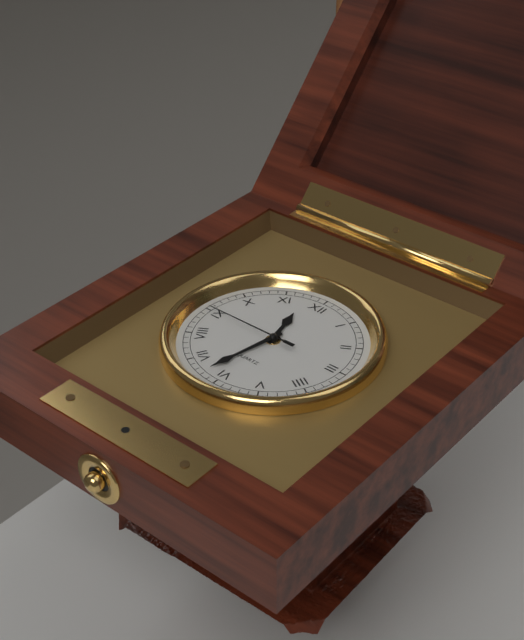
11:32:45
